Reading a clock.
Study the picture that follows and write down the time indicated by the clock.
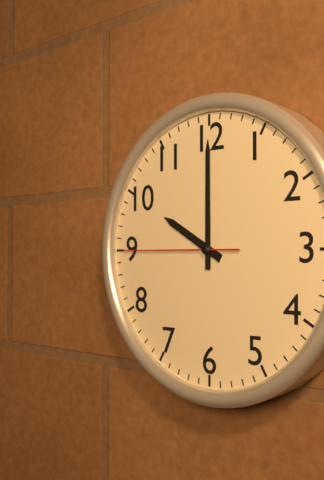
10:00:45
